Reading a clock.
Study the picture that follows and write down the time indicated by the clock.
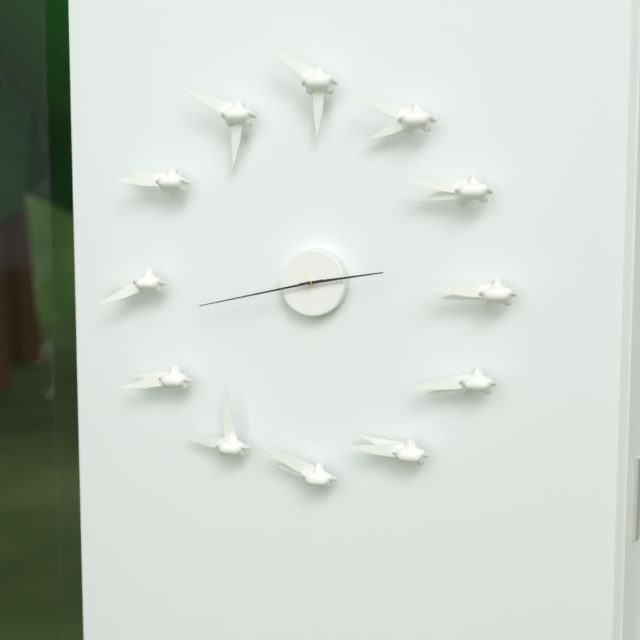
2:43
